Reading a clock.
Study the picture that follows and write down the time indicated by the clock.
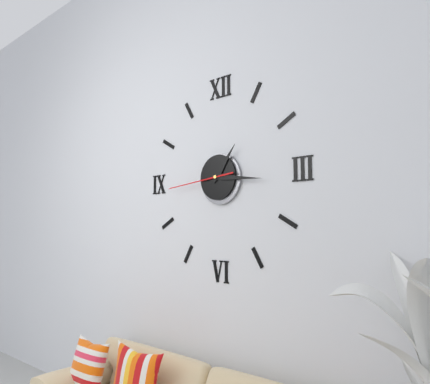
1:16:44
